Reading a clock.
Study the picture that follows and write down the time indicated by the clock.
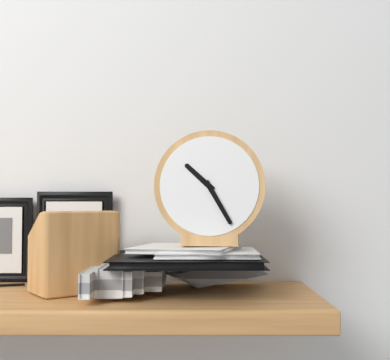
10:25
